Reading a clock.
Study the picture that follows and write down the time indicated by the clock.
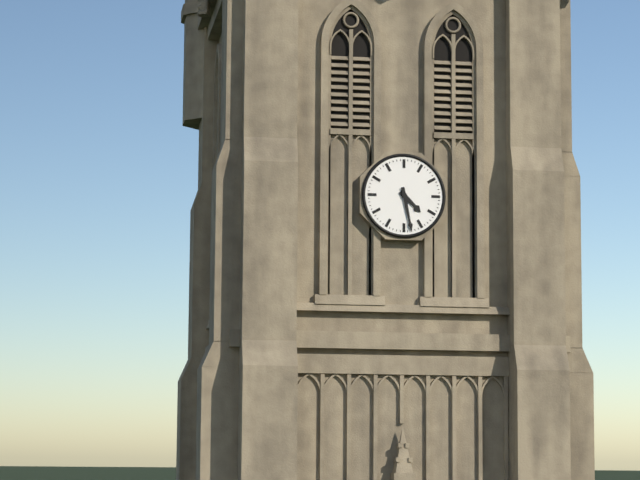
4:28
